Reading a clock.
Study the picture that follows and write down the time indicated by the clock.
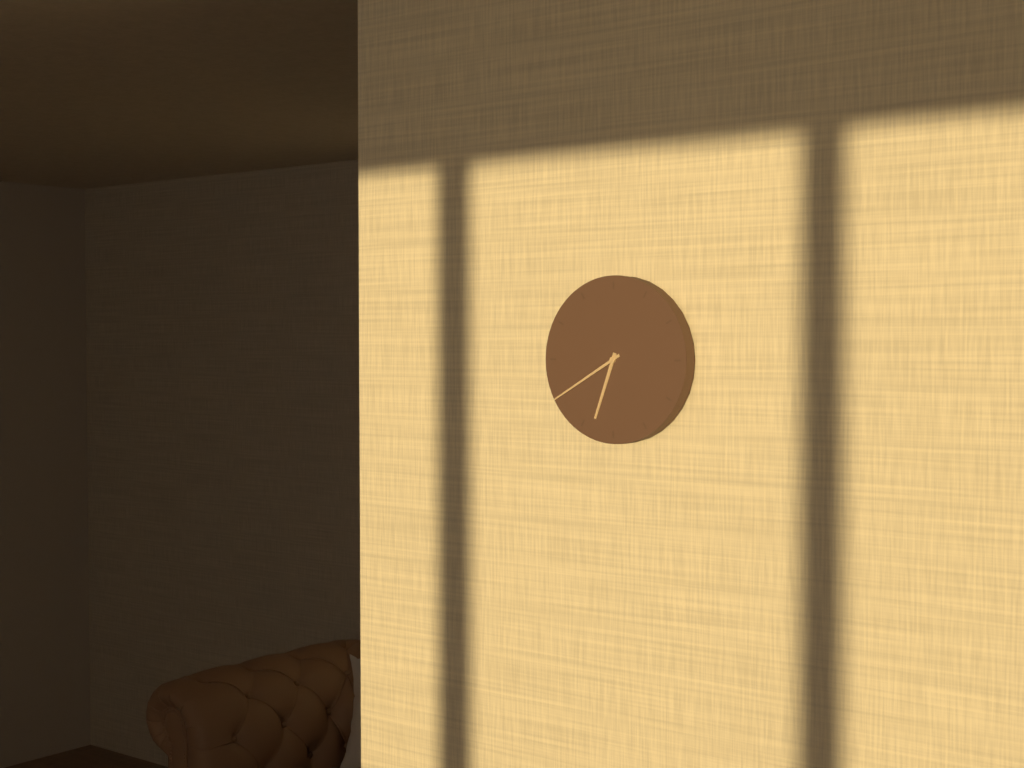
6:40
